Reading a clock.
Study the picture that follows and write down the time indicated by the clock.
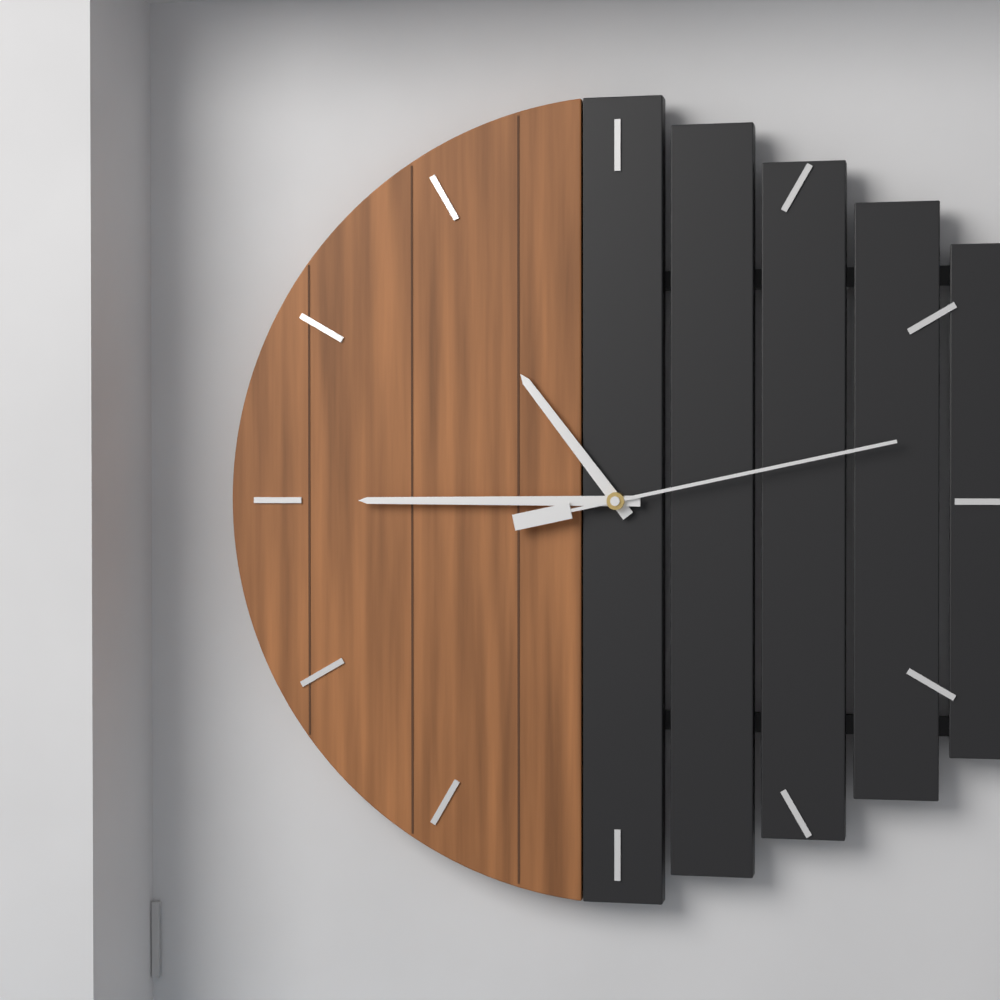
10:45:13
